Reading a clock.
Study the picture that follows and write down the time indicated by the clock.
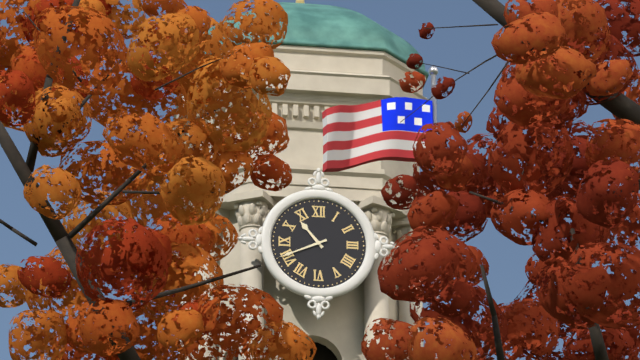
10:41
